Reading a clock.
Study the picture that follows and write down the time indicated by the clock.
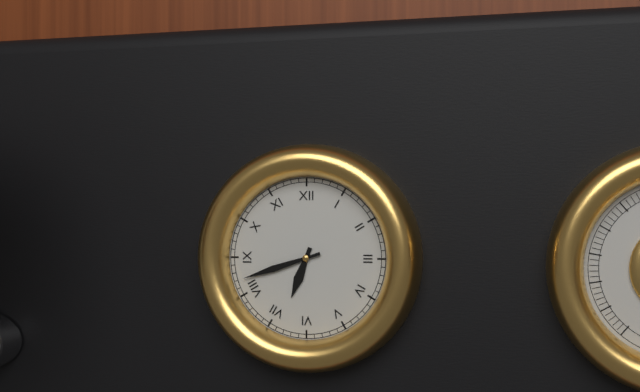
6:42
